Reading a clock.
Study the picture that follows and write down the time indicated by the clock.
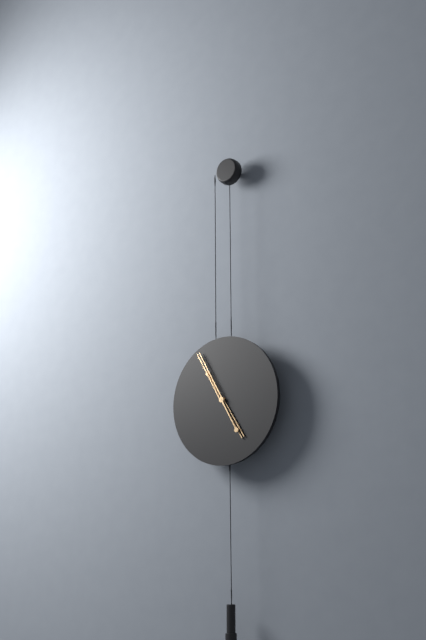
4:55
